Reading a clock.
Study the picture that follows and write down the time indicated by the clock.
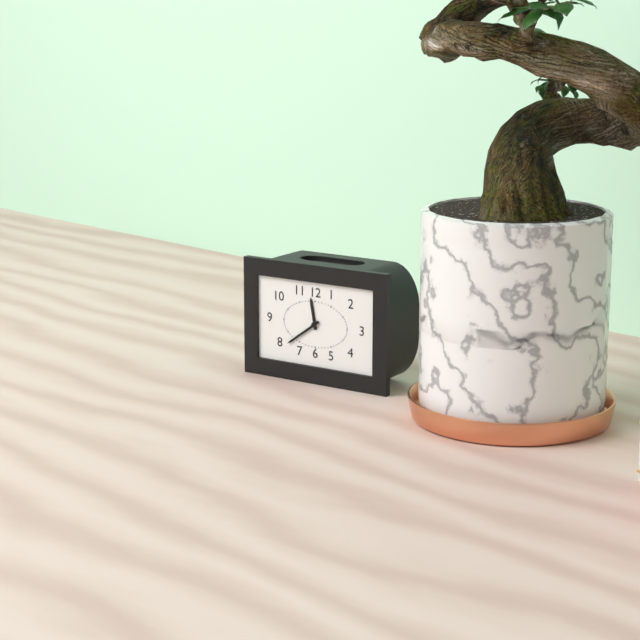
11:39
